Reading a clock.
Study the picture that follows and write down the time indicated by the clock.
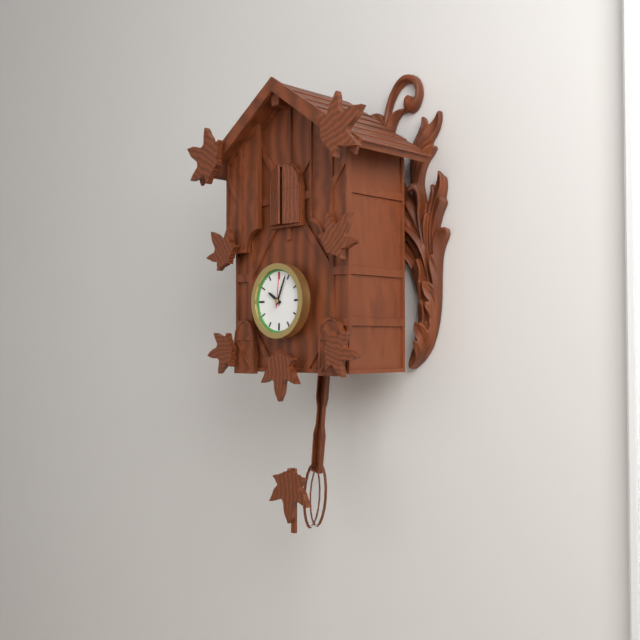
10:04
